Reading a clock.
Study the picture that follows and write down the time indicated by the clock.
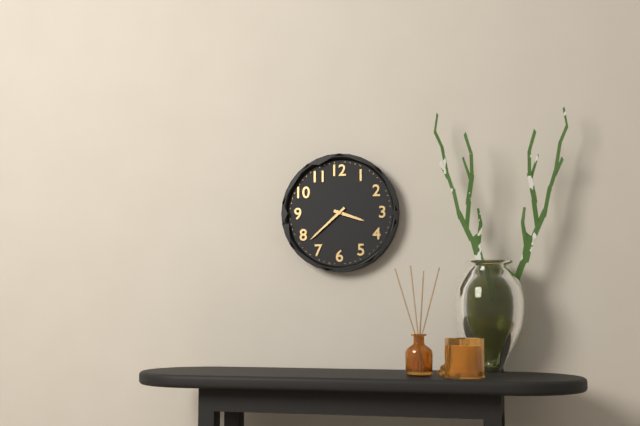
3:38
